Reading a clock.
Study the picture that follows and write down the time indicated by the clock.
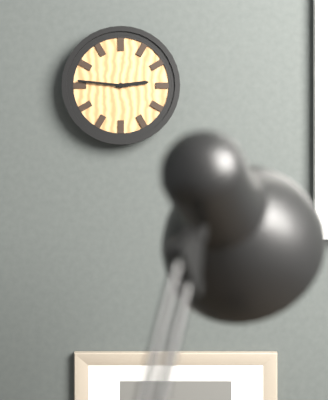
2:46
